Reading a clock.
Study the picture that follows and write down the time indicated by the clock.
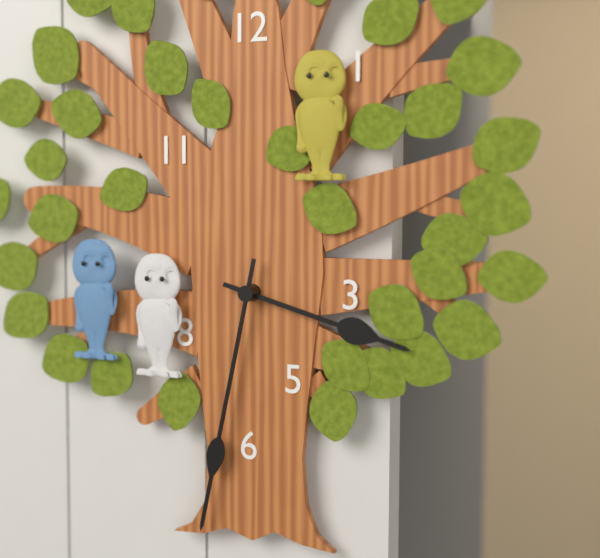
3:32
